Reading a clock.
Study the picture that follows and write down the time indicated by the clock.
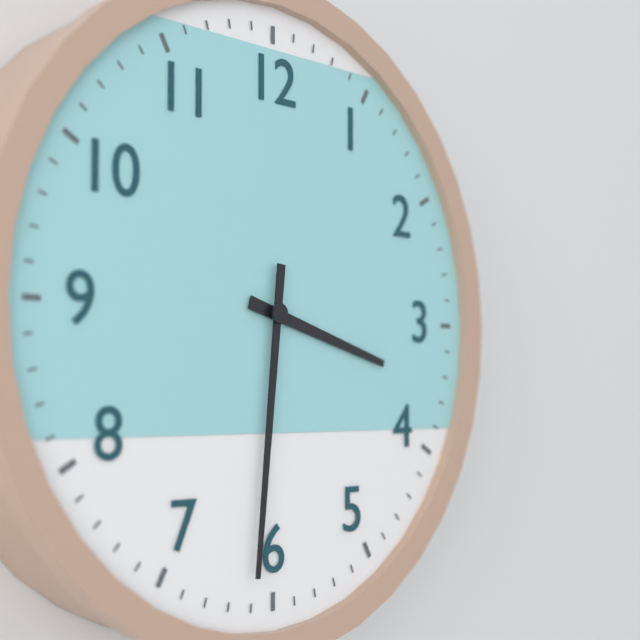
3:31
